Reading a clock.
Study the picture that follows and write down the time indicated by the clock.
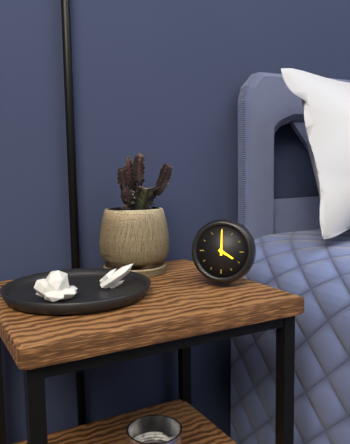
4:00
